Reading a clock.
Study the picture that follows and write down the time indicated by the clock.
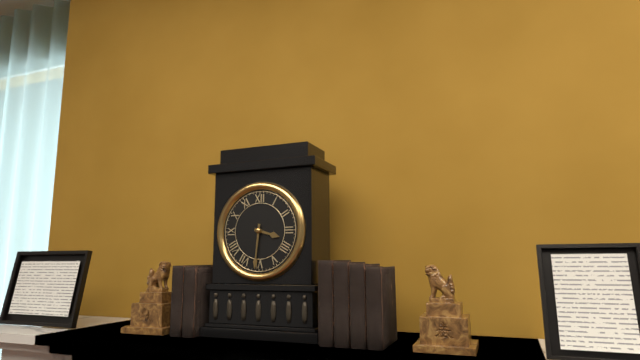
3:31
